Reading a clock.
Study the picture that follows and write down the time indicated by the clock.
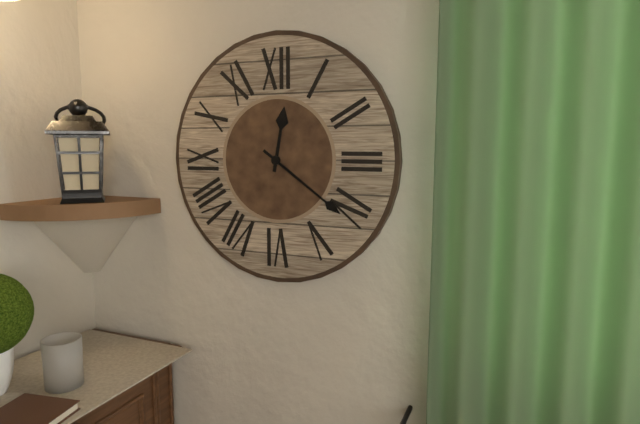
12:21
